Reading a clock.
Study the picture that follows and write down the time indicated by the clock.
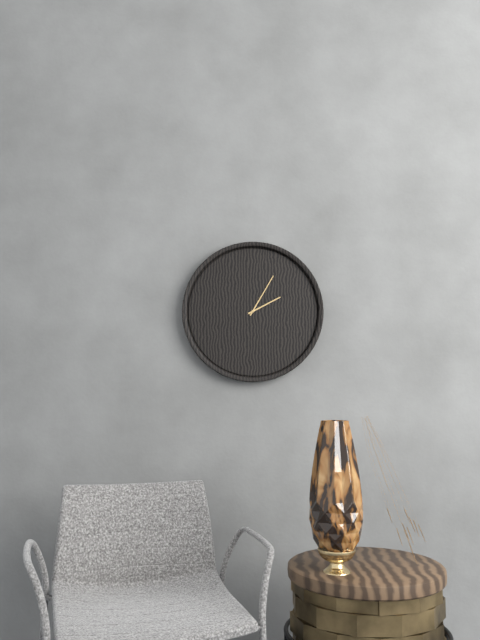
2:05
